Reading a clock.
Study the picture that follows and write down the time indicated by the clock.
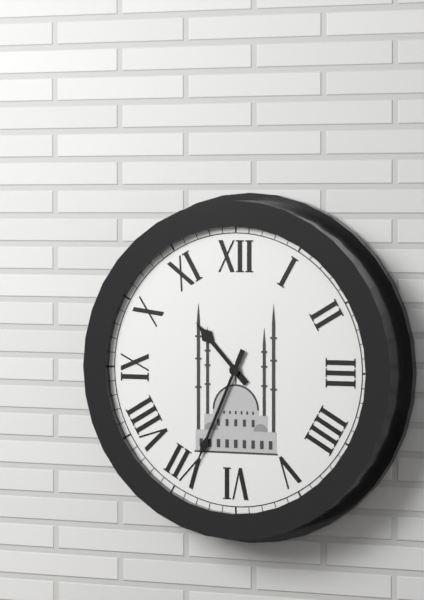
10:34
